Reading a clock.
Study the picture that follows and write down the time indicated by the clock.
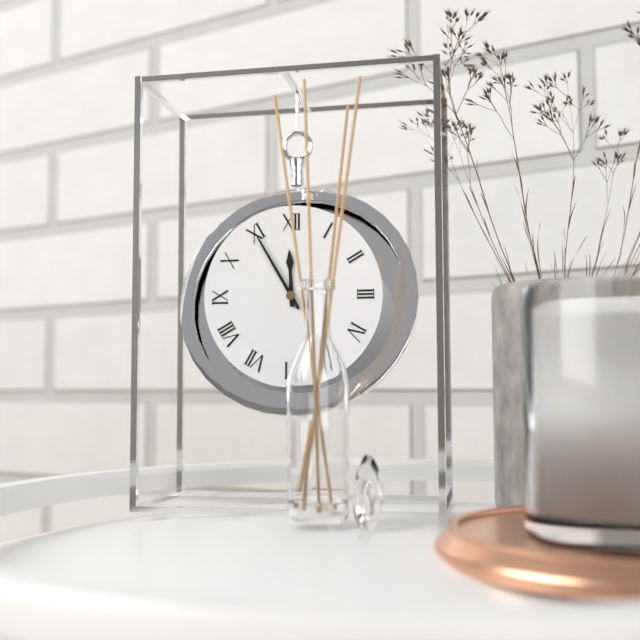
11:55
